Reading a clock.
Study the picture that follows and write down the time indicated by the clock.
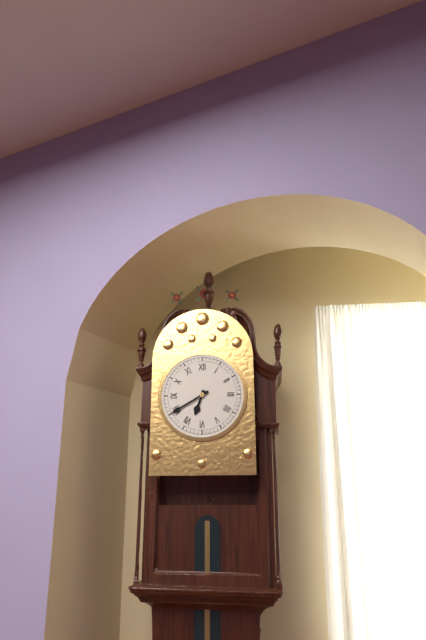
6:40
